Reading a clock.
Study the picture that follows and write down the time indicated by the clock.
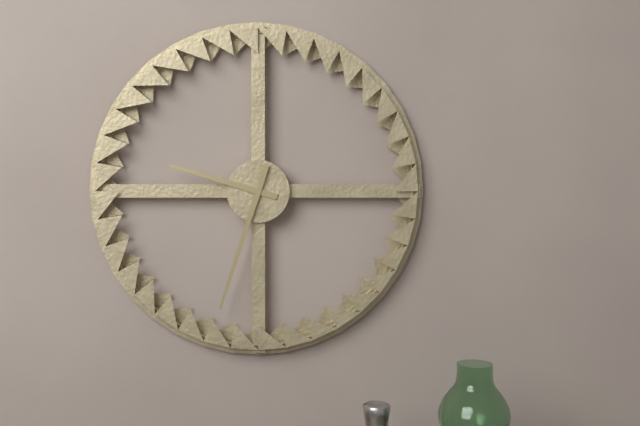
9:33
